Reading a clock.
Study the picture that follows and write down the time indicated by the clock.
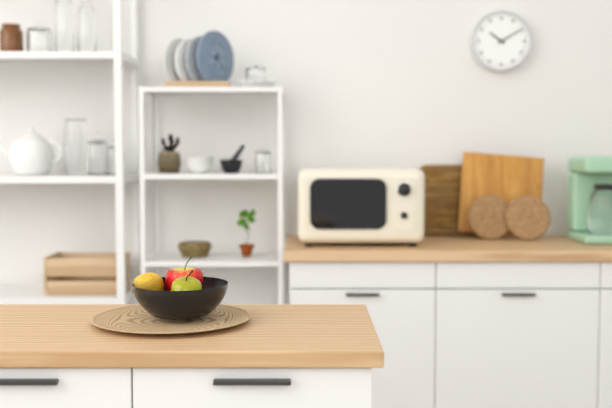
10:10
